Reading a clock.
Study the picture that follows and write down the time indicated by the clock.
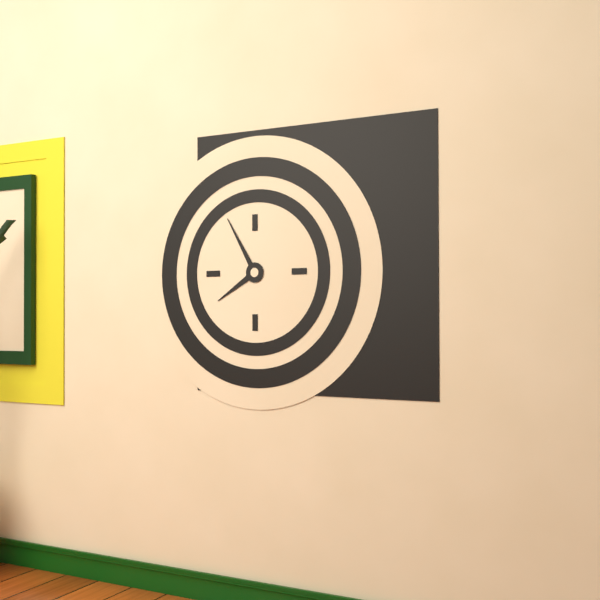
7:55
